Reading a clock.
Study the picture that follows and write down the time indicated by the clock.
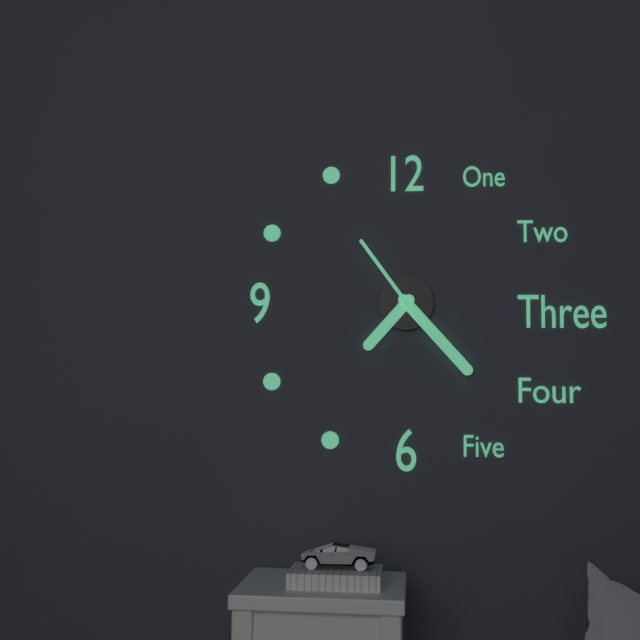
7:23:54
